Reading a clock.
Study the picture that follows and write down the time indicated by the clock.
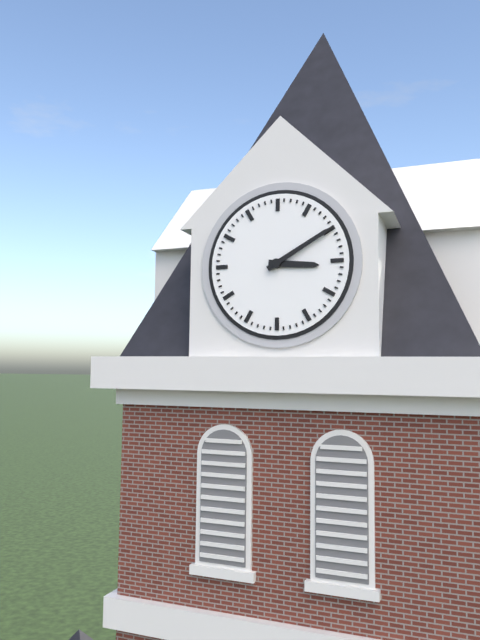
3:10
